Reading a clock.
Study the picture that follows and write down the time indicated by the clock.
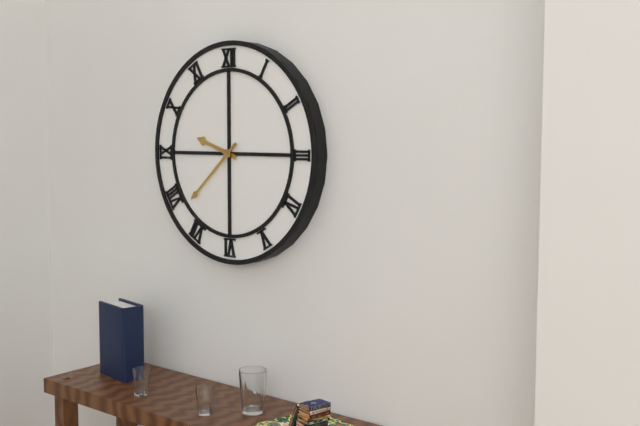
9:38
